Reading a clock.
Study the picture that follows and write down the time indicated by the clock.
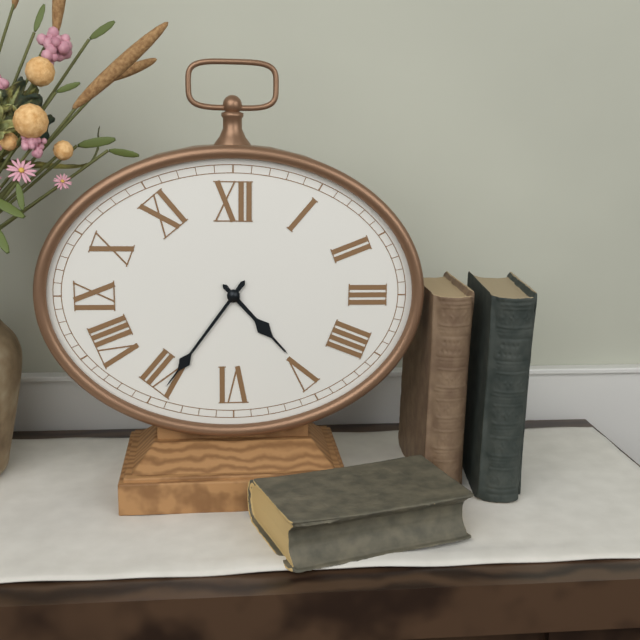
4:36
